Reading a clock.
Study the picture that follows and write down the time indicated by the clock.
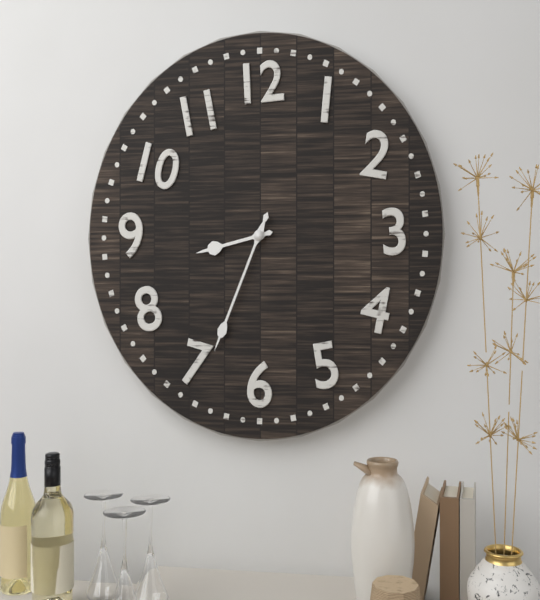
8:34
